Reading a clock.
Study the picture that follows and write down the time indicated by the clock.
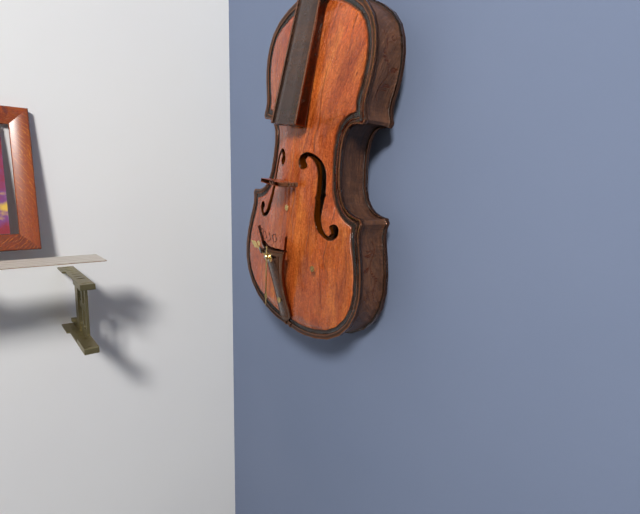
9:29
